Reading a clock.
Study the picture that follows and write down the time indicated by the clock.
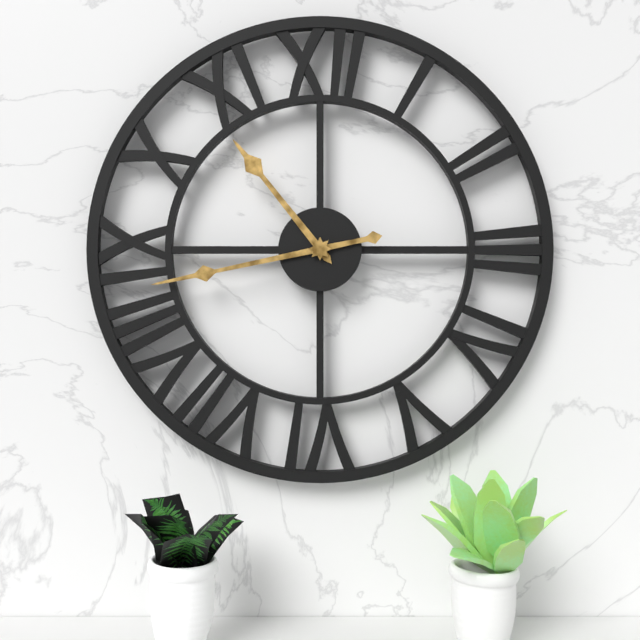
10:43
